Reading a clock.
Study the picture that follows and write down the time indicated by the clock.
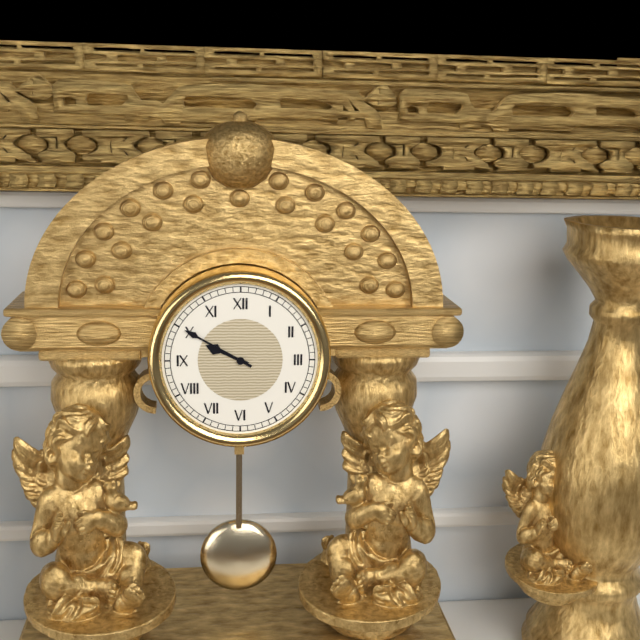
9:50
